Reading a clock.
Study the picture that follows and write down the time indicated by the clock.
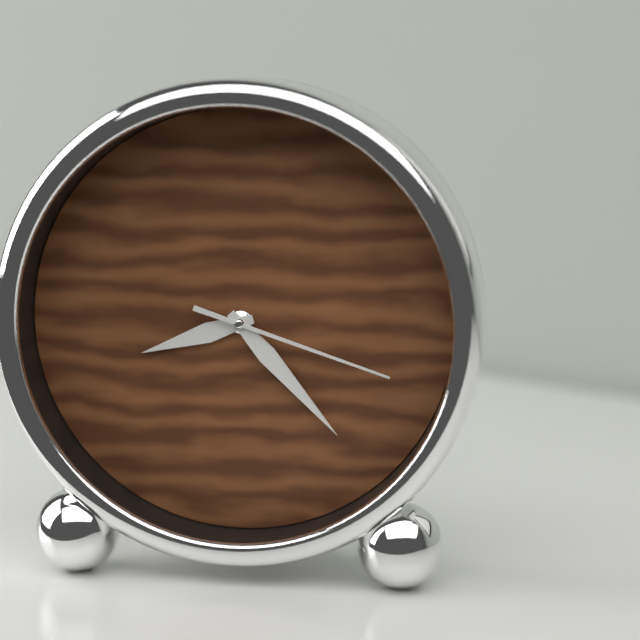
8:23:18
